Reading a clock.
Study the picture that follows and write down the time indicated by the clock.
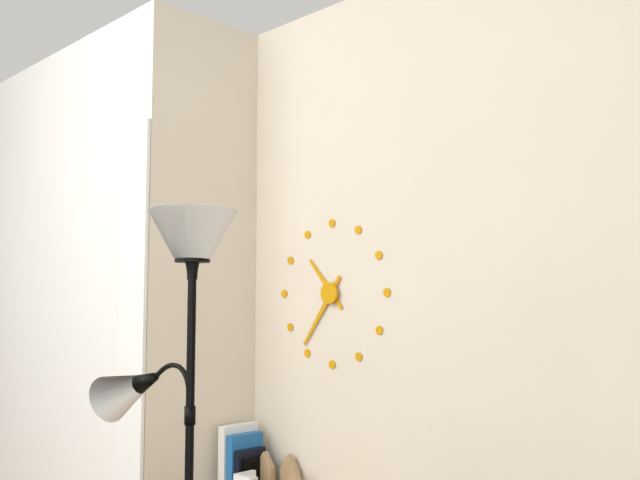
10:36
